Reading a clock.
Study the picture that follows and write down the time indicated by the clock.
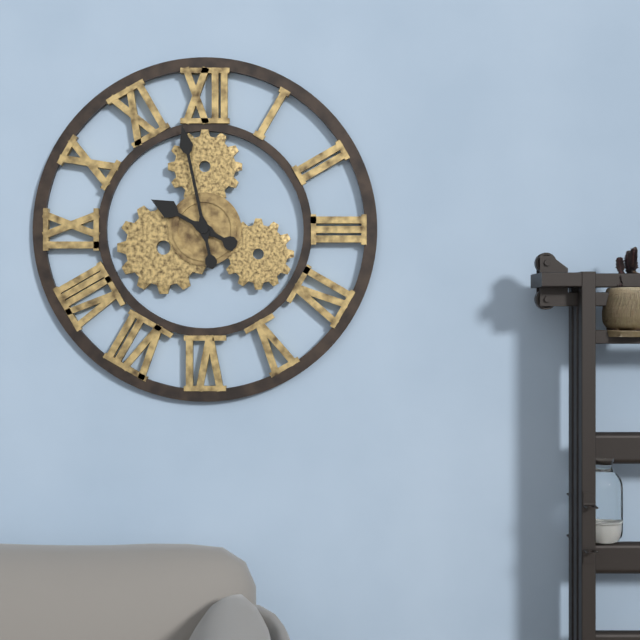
9:58
